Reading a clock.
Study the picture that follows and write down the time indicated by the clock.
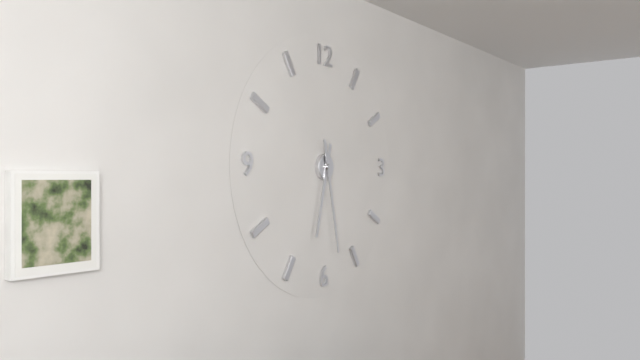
6:28
